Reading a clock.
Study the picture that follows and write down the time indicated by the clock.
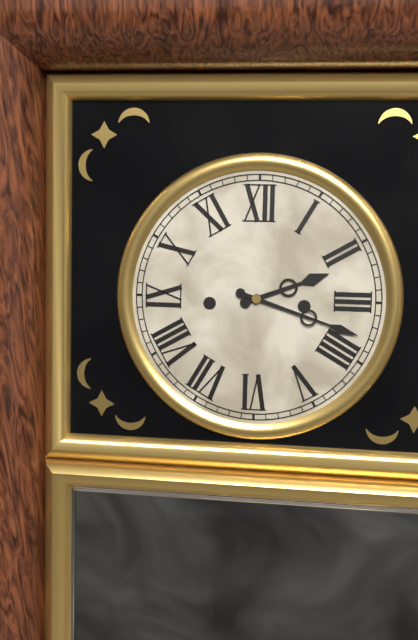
2:18
